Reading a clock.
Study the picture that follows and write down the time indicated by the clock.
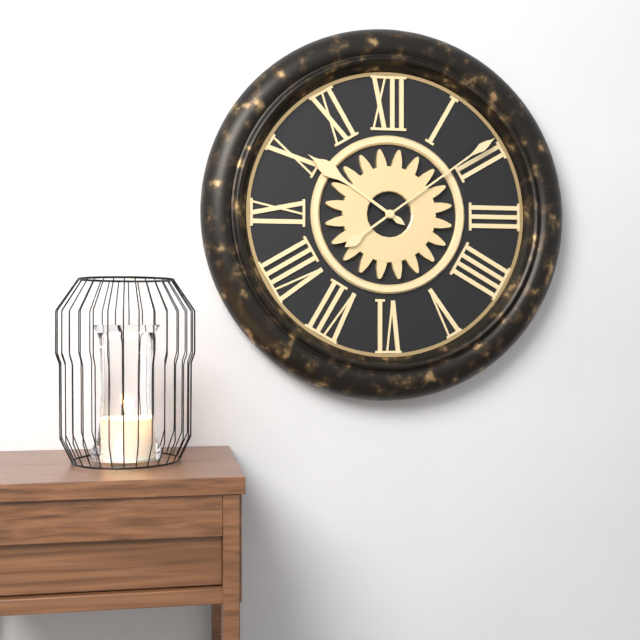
10:09
